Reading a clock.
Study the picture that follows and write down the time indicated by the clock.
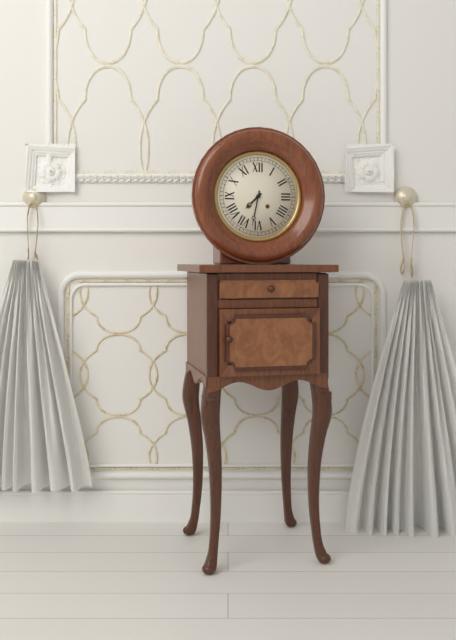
7:32
